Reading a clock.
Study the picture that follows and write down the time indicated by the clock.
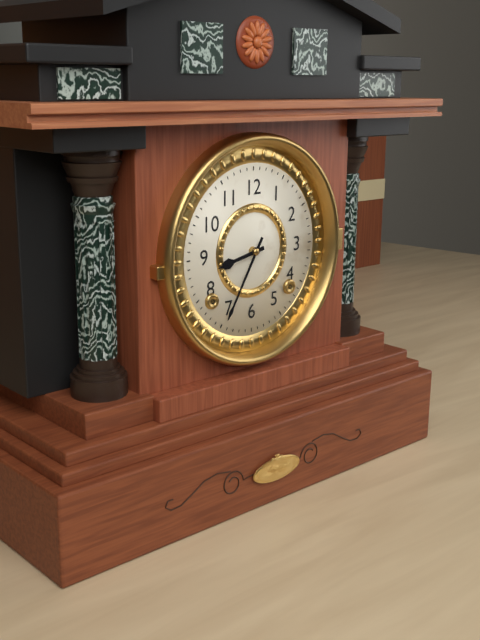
8:35
